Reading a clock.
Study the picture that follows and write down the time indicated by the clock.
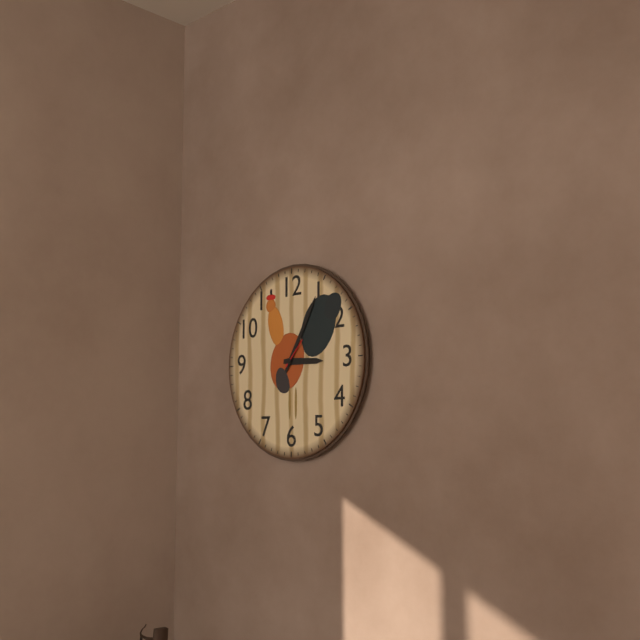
3:05
